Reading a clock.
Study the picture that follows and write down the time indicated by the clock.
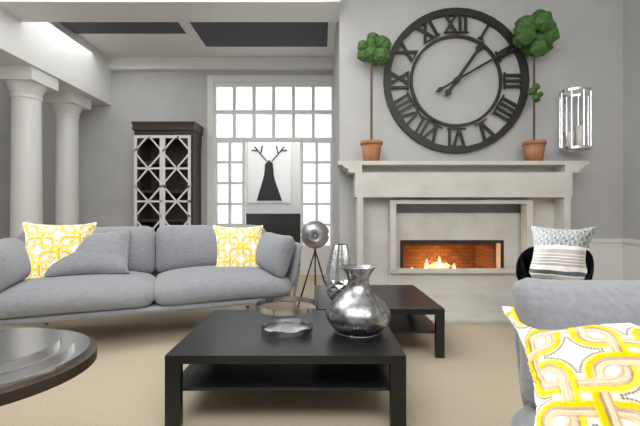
1:10
